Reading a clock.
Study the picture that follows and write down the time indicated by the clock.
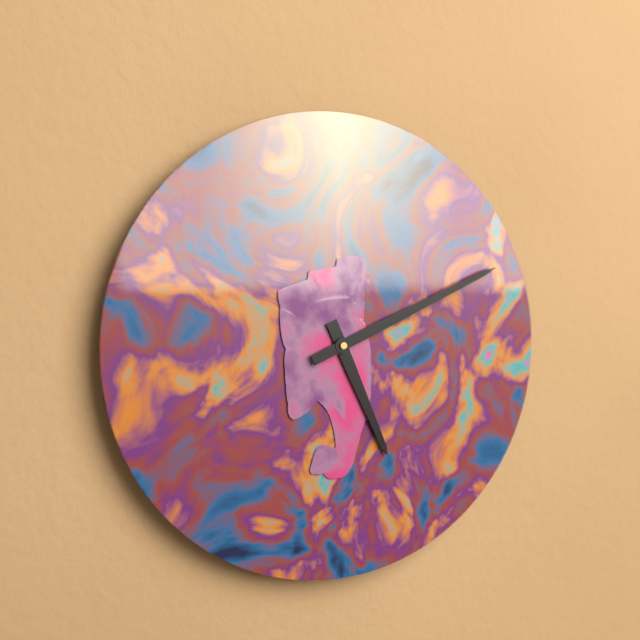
5:11
